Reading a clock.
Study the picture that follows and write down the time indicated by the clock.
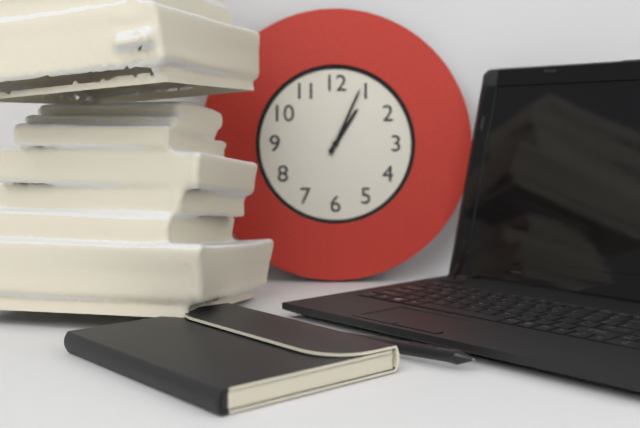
1:04
